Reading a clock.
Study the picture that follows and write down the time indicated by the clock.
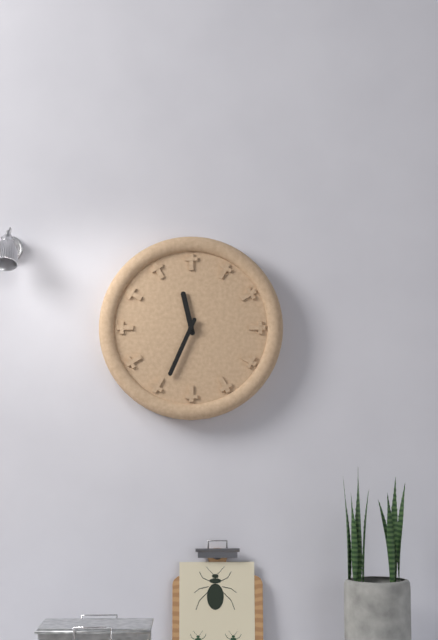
11:34
